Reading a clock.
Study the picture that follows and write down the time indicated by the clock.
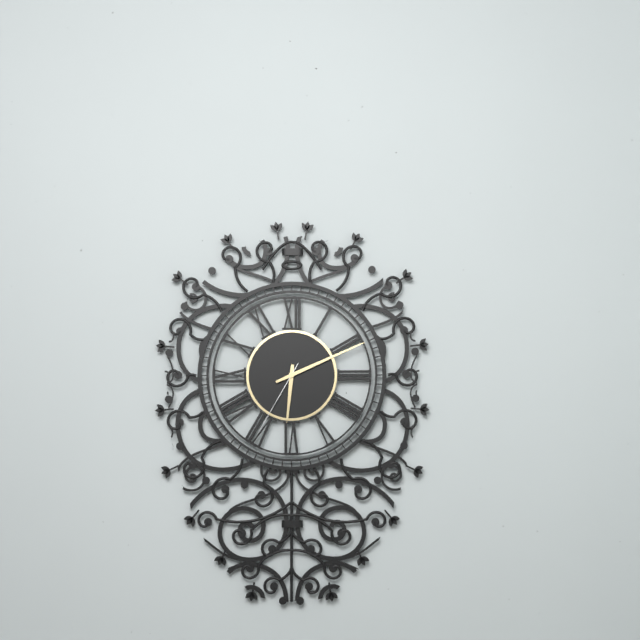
6:11:35
